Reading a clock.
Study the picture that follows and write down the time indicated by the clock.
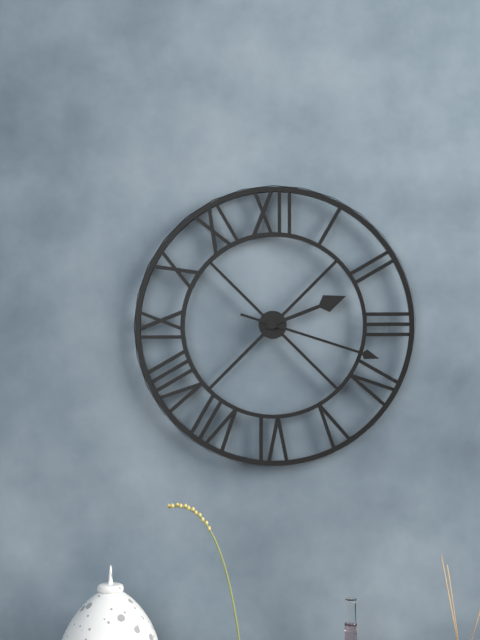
2:18
